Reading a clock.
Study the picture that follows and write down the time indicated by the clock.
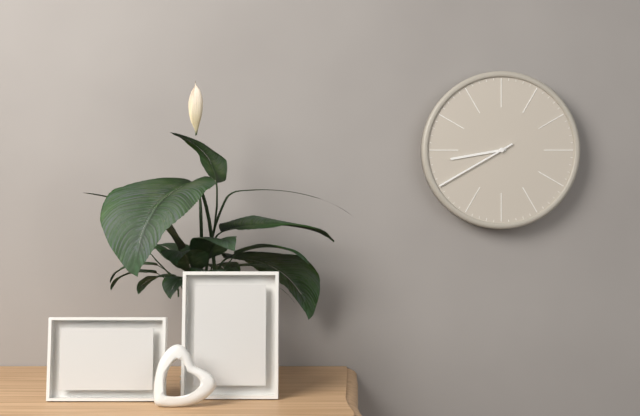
8:40
